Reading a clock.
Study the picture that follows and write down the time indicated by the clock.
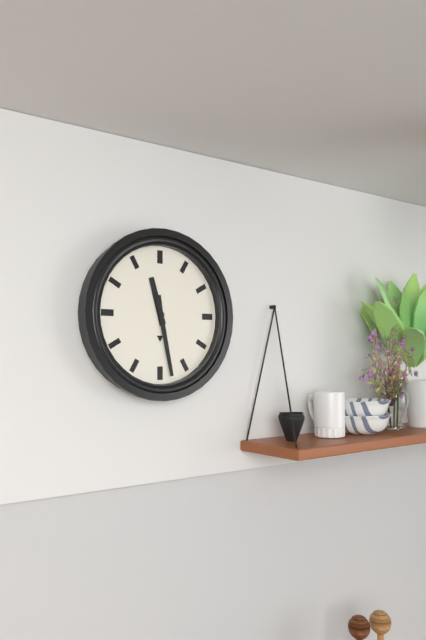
11:28
